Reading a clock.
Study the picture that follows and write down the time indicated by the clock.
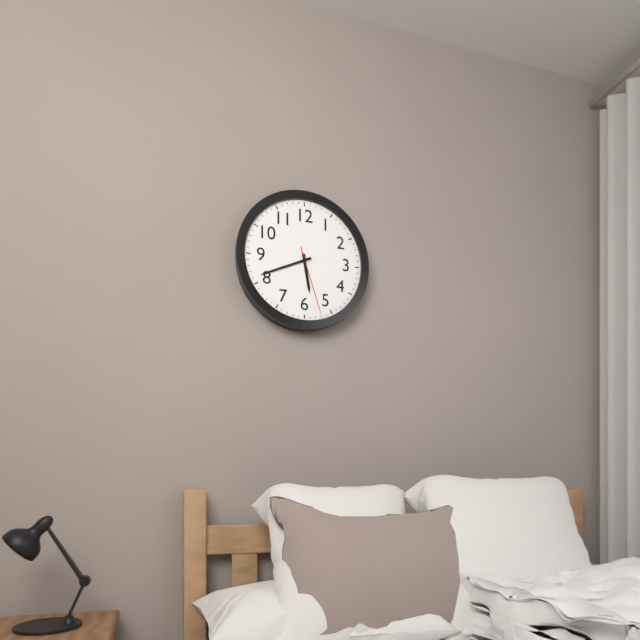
5:41:27
